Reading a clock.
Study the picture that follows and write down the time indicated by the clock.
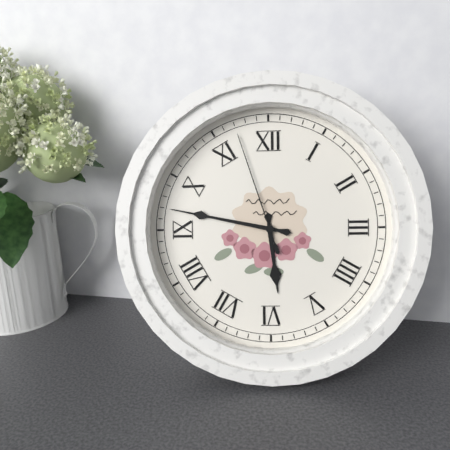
5:47:57
